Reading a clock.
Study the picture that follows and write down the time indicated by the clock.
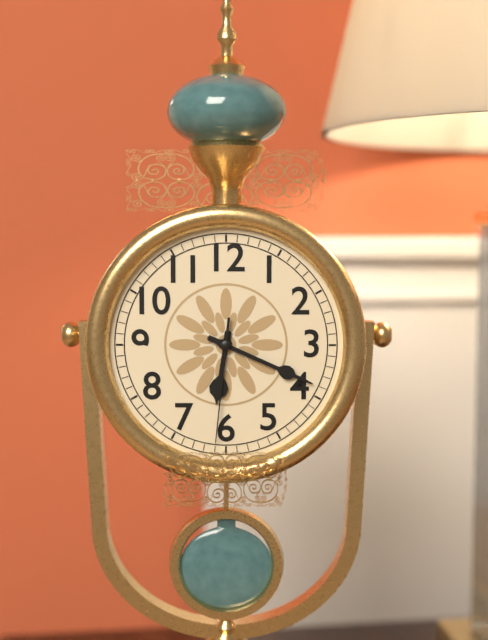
6:19:31
